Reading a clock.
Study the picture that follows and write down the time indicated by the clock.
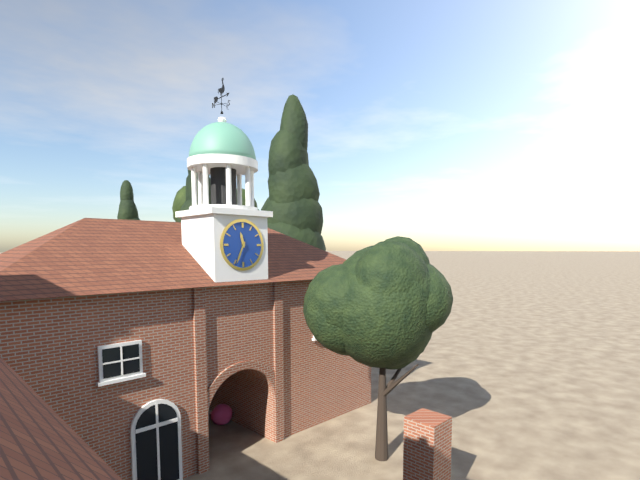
11:34
